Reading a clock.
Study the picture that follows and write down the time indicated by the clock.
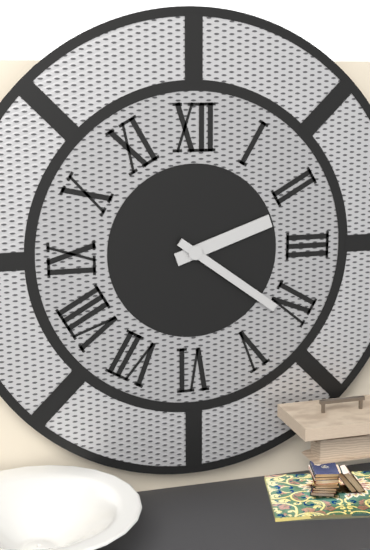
2:21
